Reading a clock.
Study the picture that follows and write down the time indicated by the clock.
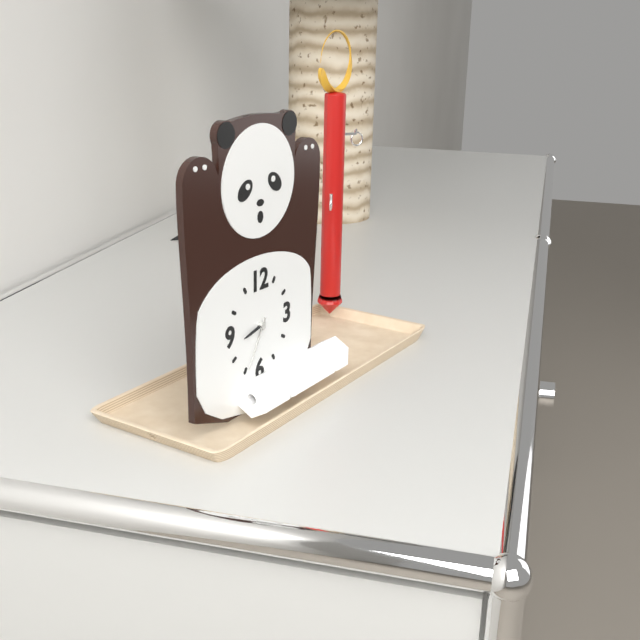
8:35
